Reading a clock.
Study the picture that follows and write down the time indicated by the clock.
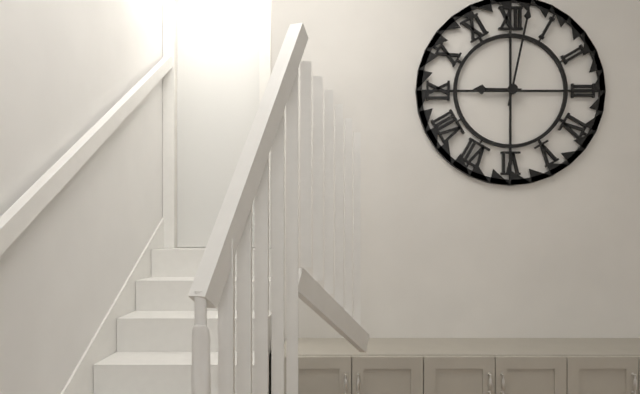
9:02
